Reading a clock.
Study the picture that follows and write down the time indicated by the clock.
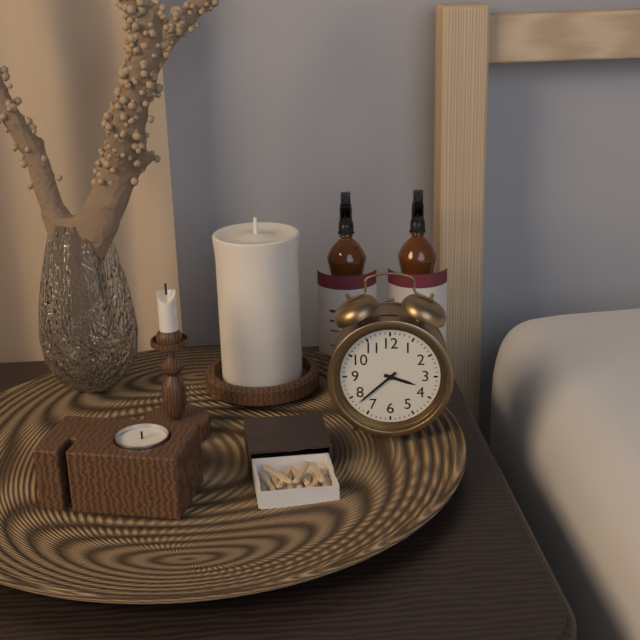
3:38
